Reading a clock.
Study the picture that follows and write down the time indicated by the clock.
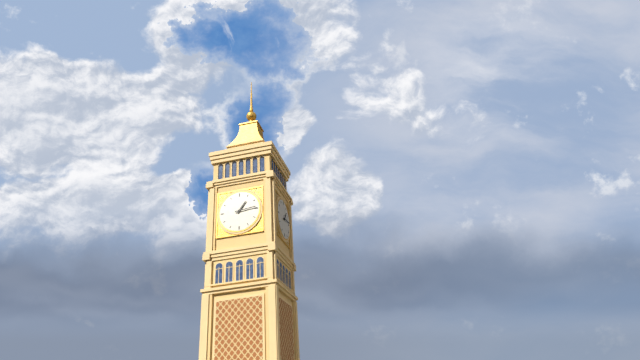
1:14
